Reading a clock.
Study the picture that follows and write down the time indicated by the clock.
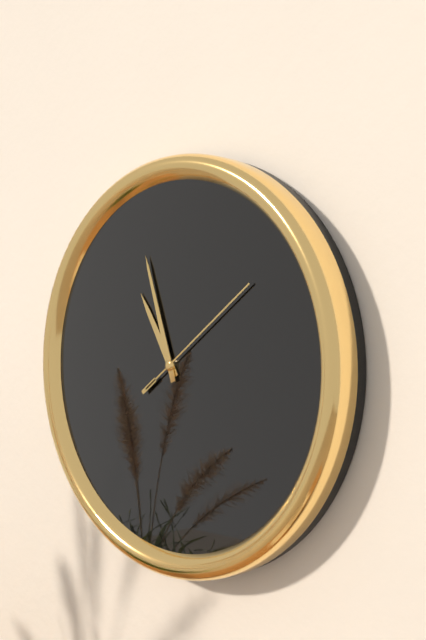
10:57:09
